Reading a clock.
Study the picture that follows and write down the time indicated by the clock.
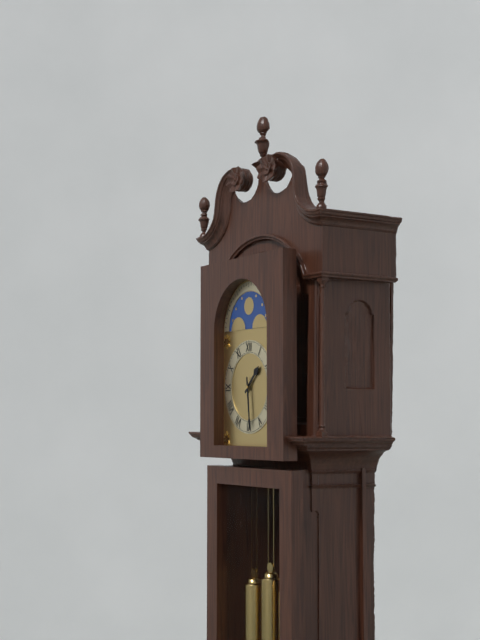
1:29
